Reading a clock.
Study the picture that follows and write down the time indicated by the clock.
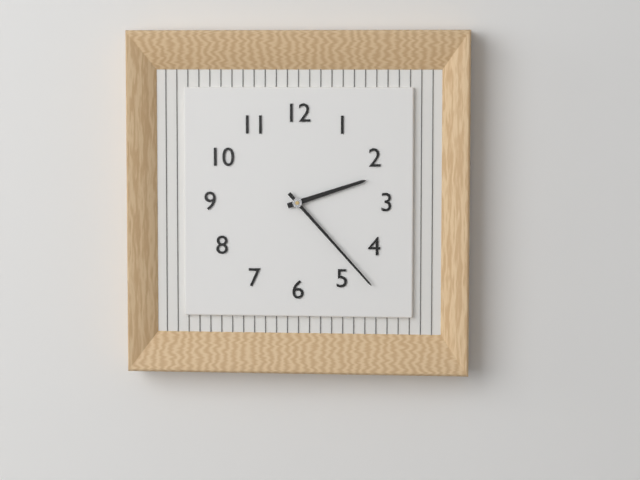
2:23
